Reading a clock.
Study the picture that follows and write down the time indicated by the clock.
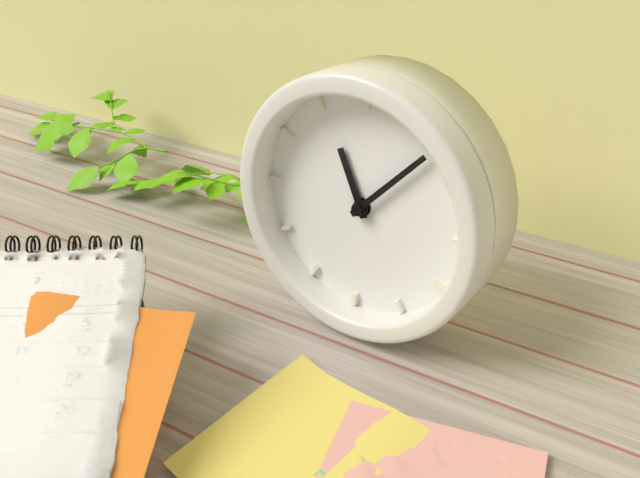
11:07
